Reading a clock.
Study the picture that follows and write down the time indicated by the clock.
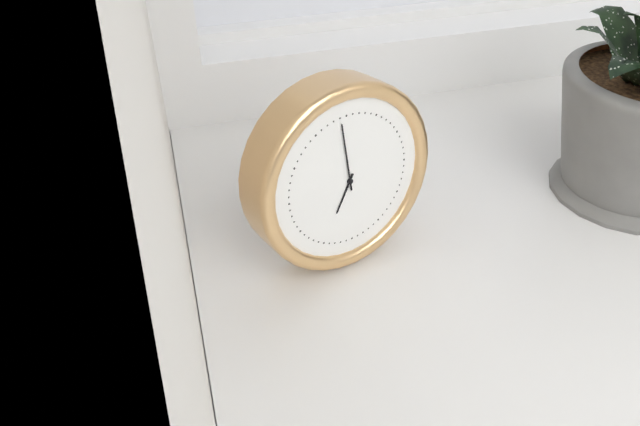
6:59
